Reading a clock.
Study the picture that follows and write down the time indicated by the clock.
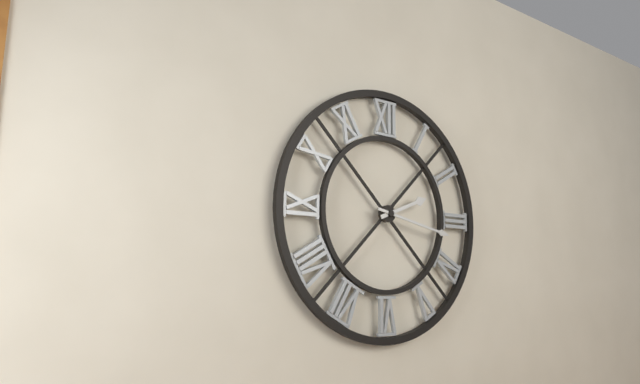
2:17
